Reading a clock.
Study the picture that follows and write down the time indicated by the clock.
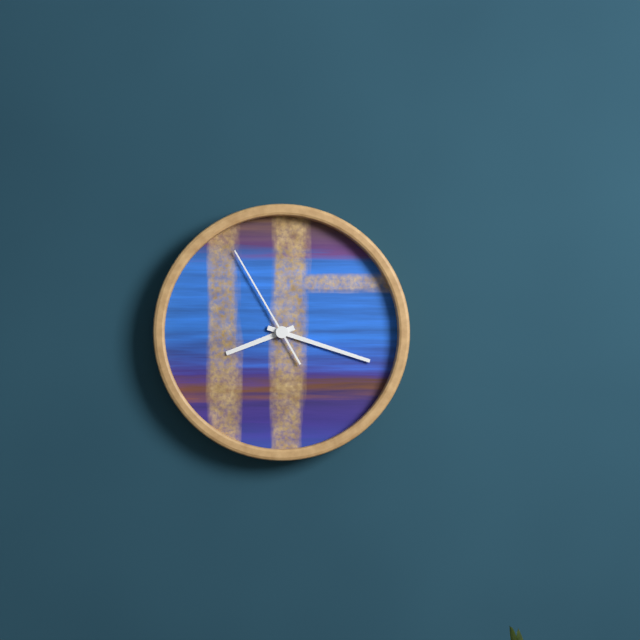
8:18:55
